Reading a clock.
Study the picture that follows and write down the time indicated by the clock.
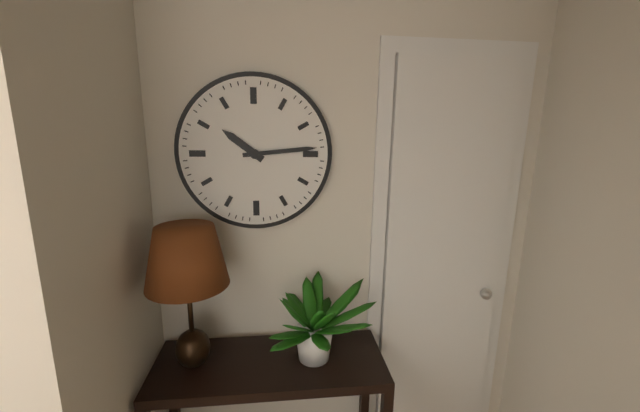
10:14
